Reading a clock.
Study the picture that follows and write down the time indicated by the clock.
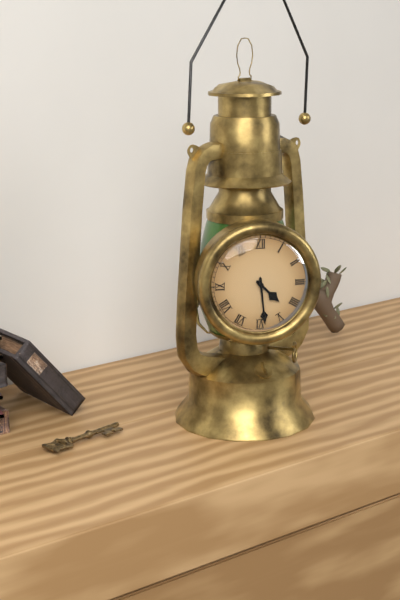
4:29
